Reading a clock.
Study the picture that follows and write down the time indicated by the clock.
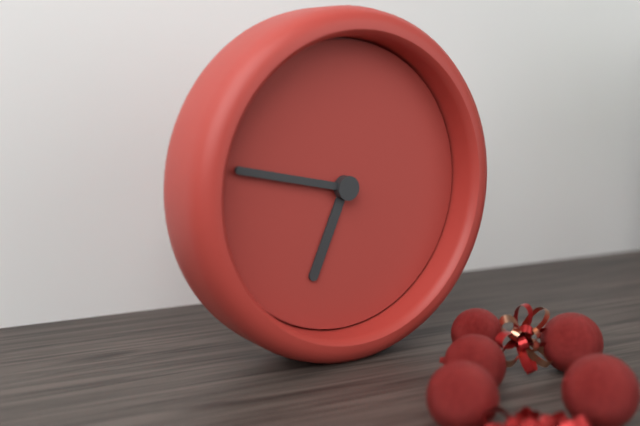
6:47
